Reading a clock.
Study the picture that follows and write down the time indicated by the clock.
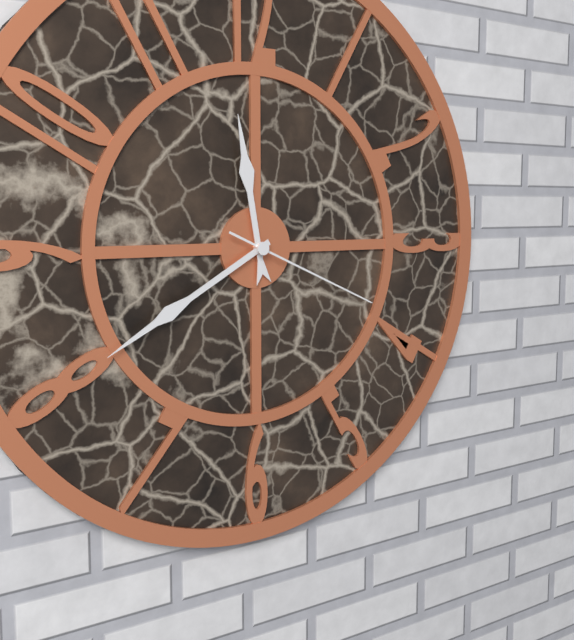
11:40:19
